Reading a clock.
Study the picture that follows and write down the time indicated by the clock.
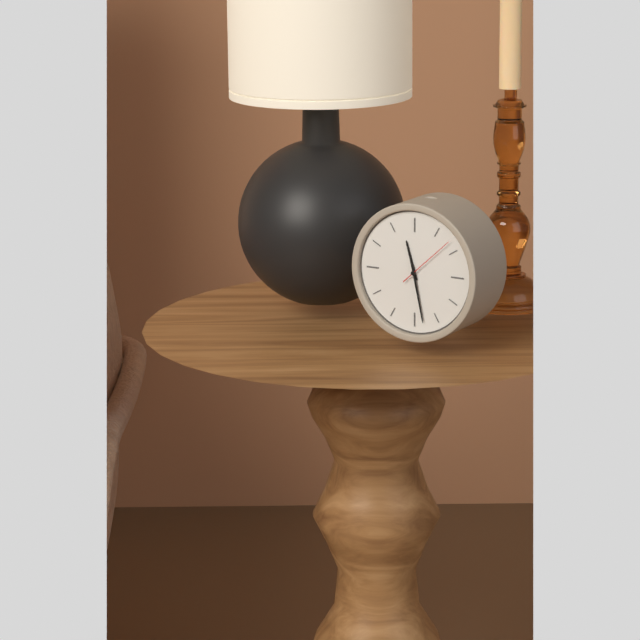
11:28:08
